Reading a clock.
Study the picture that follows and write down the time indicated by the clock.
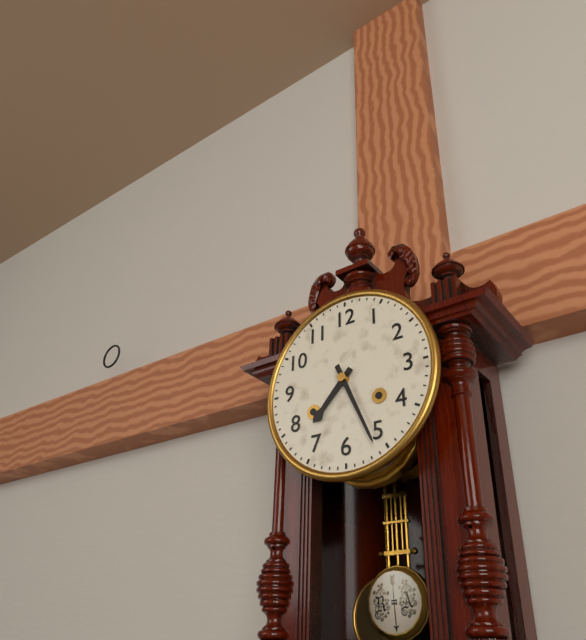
7:26
